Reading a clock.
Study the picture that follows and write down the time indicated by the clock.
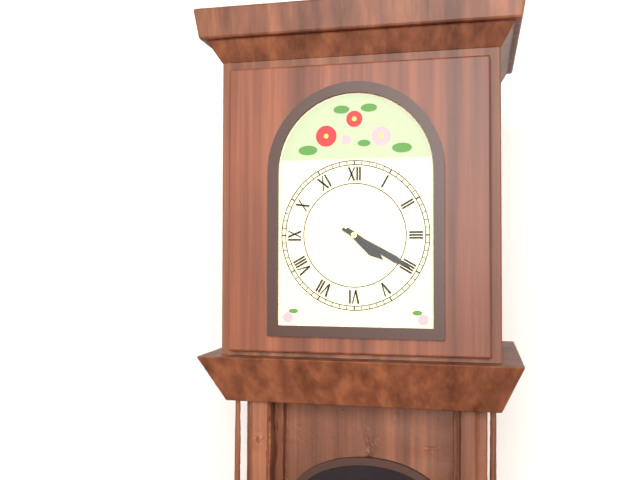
4:20
